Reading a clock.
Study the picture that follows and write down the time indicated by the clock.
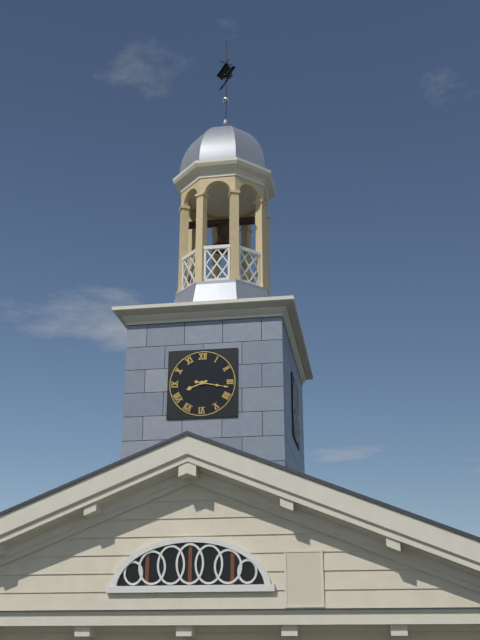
8:17
